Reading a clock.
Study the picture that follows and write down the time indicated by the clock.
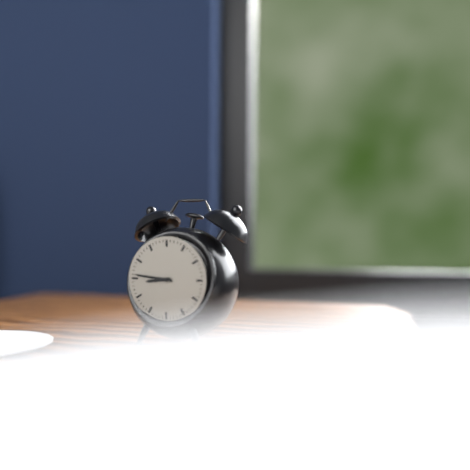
8:46
